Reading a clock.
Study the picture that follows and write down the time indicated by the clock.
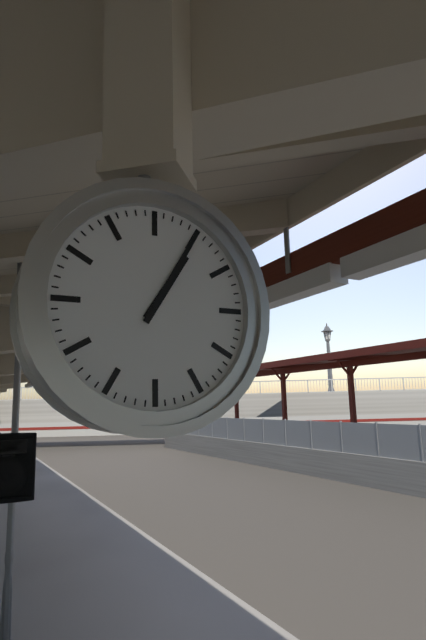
1:05
